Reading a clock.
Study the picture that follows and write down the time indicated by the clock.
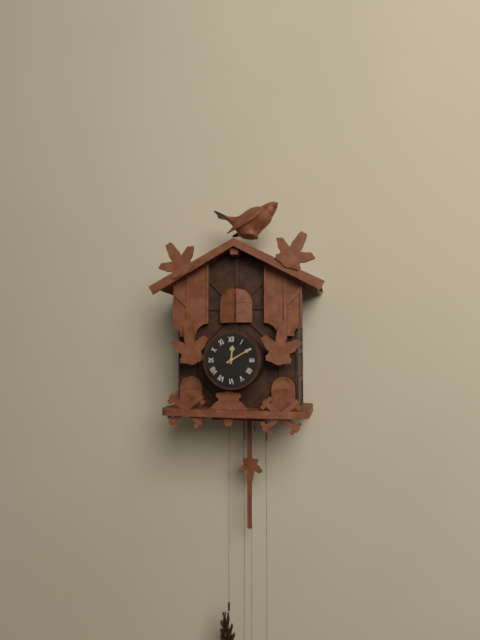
12:10
